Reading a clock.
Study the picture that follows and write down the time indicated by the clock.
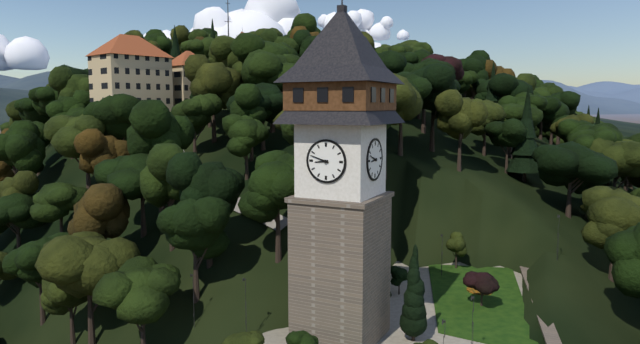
8:48
